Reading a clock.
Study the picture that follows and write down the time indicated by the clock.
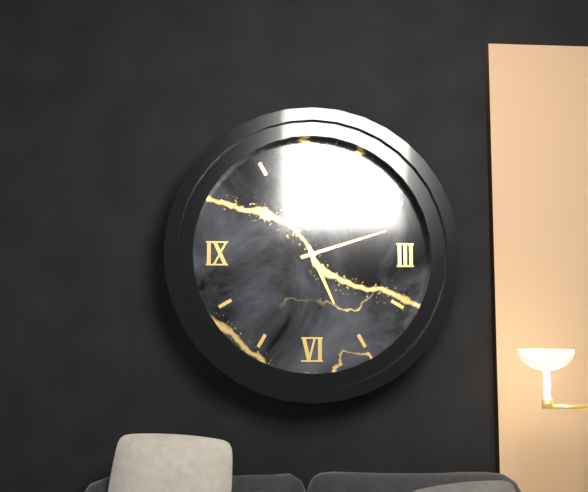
5:12
